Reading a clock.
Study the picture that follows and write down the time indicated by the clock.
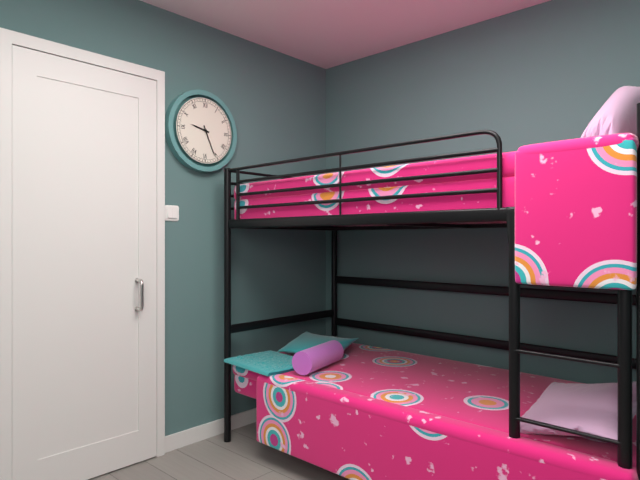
9:26
